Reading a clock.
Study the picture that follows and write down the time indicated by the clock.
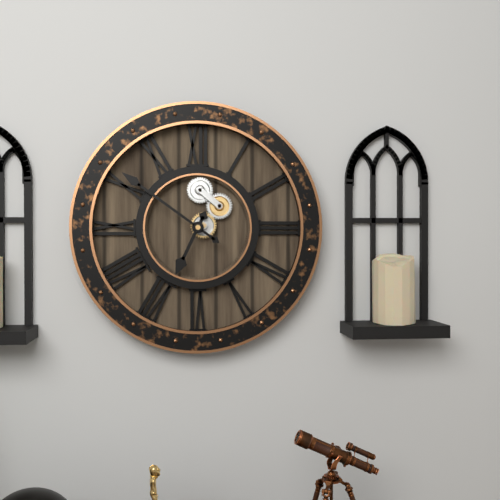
6:51
